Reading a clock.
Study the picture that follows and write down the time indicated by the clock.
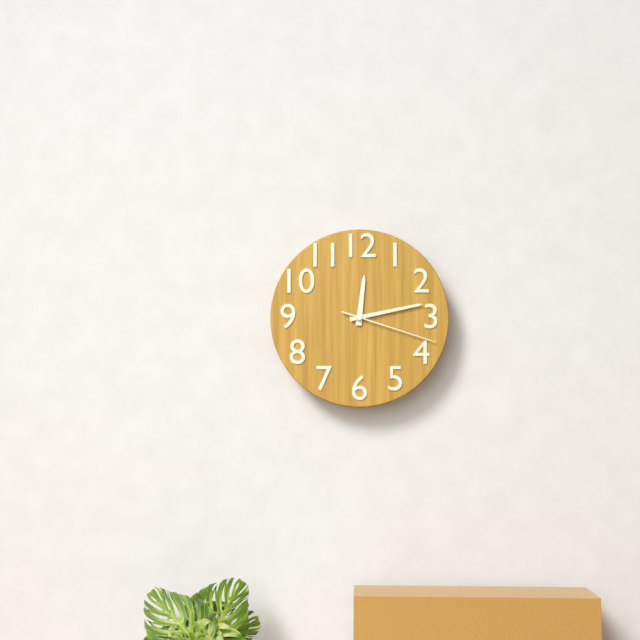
12:13:18
